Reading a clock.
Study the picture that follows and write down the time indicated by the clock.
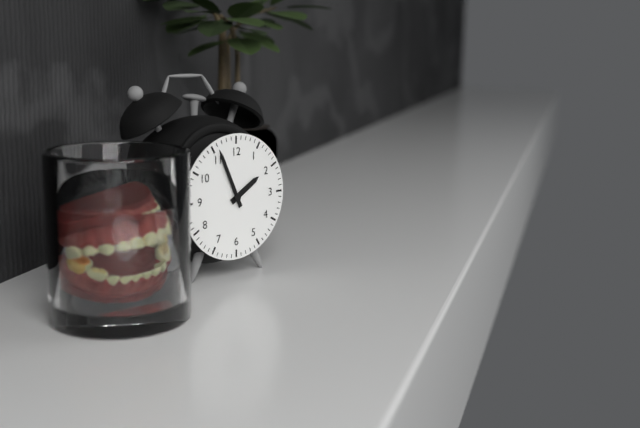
1:56
